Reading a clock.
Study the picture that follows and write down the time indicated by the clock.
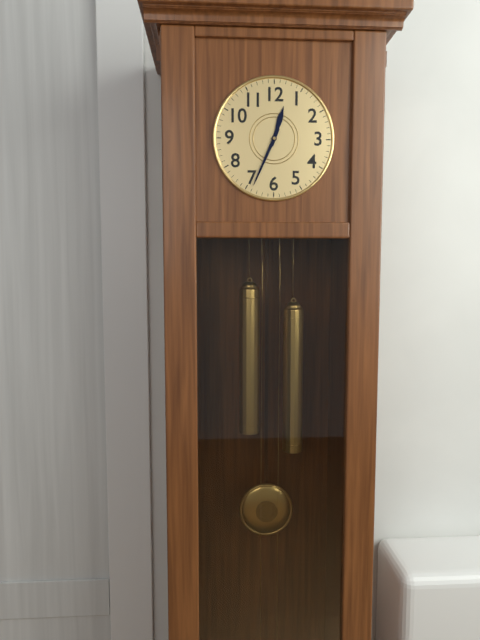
12:34
